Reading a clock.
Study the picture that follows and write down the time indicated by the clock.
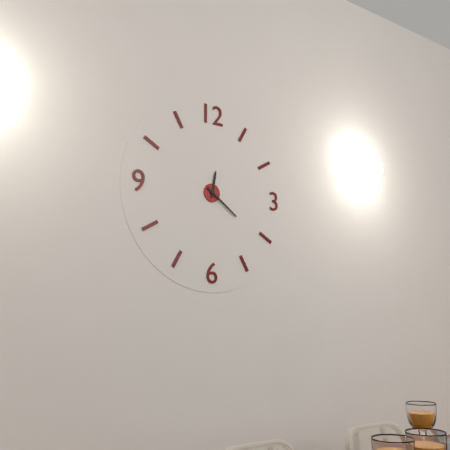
12:21
